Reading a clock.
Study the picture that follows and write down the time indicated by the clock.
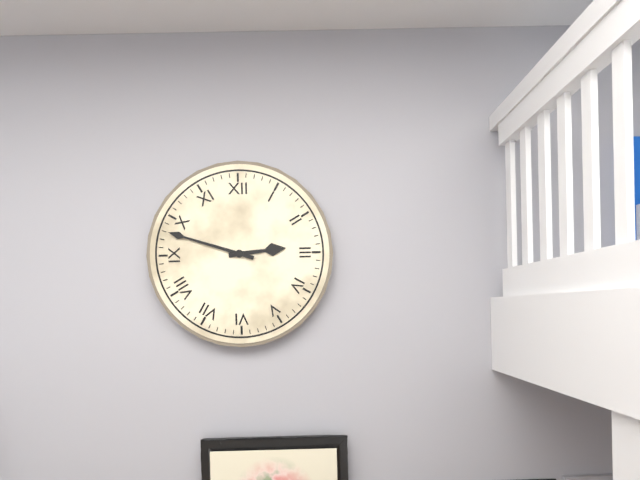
2:48
